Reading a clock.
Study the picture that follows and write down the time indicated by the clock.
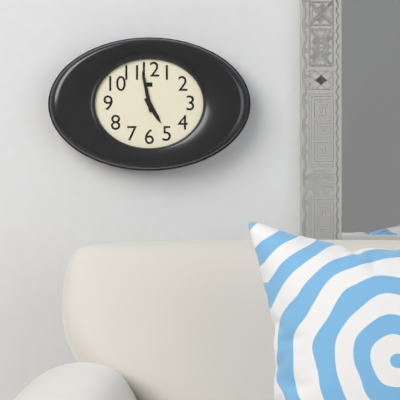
4:58
